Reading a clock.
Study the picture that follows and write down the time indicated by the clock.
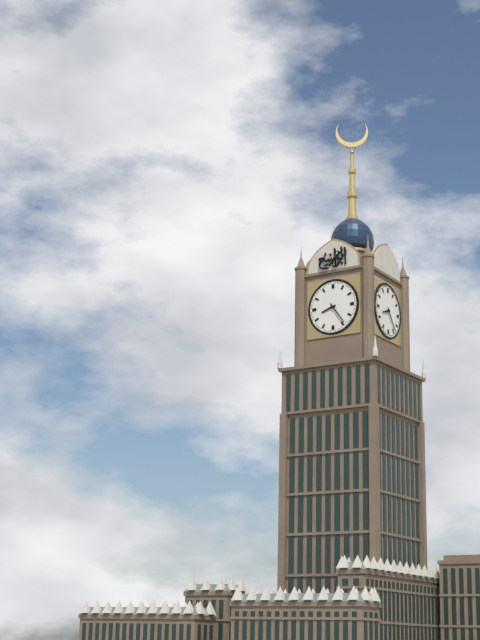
8:24
